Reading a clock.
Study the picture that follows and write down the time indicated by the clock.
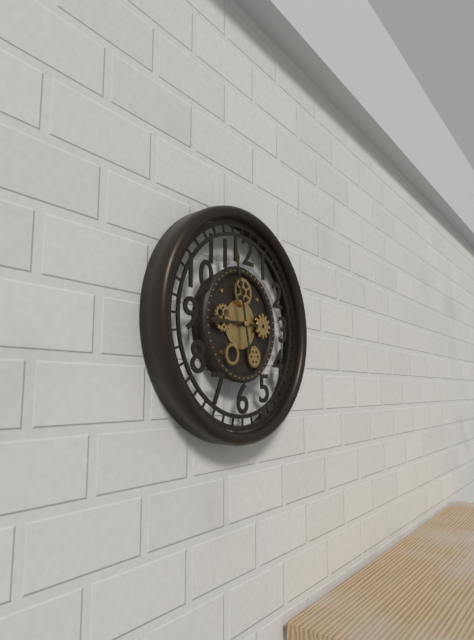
8:58
